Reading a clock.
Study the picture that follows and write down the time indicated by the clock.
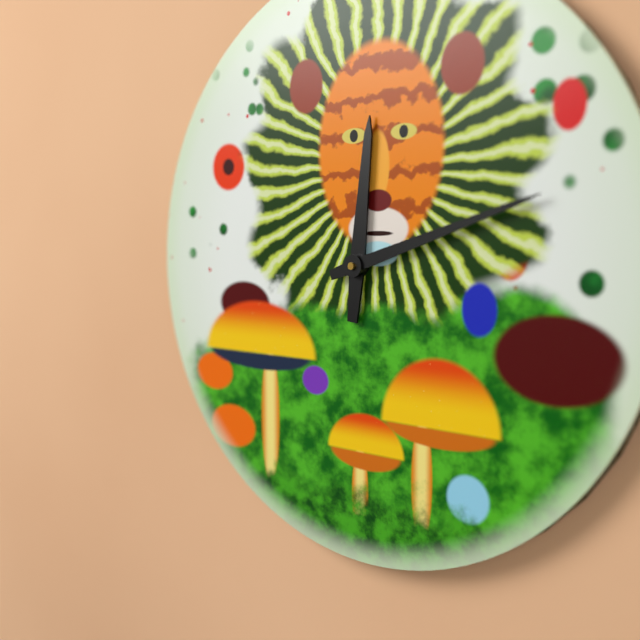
12:12
